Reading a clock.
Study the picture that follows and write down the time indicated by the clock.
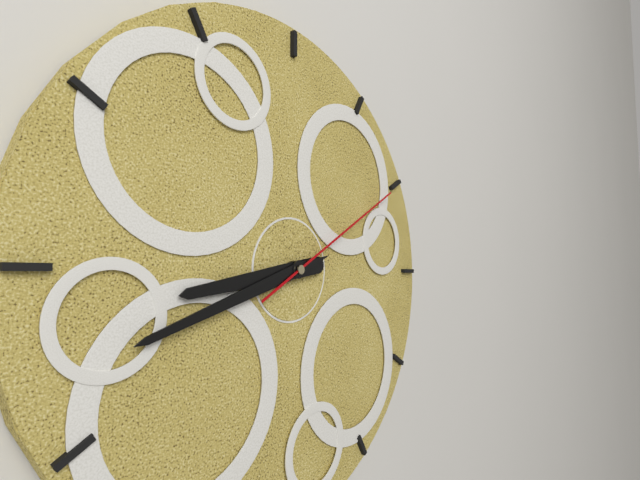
8:42:10
